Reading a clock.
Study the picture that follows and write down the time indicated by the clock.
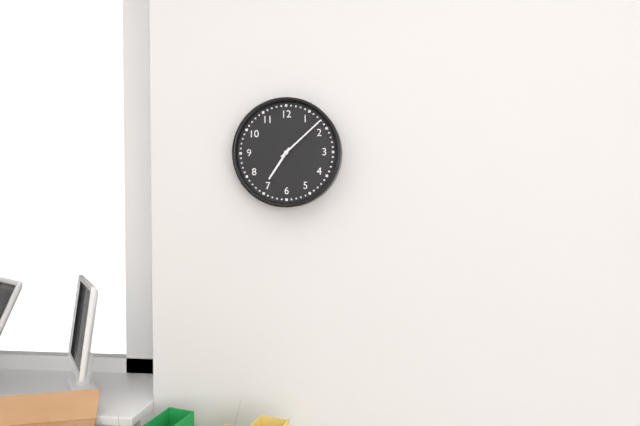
7:08
